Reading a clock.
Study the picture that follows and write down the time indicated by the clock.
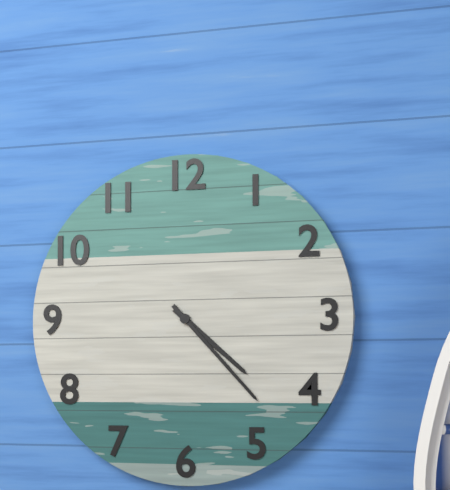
4:23
